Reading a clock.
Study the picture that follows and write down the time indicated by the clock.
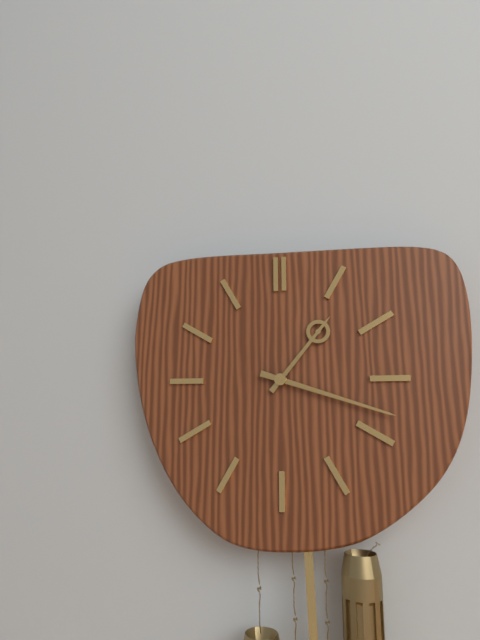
1:18
